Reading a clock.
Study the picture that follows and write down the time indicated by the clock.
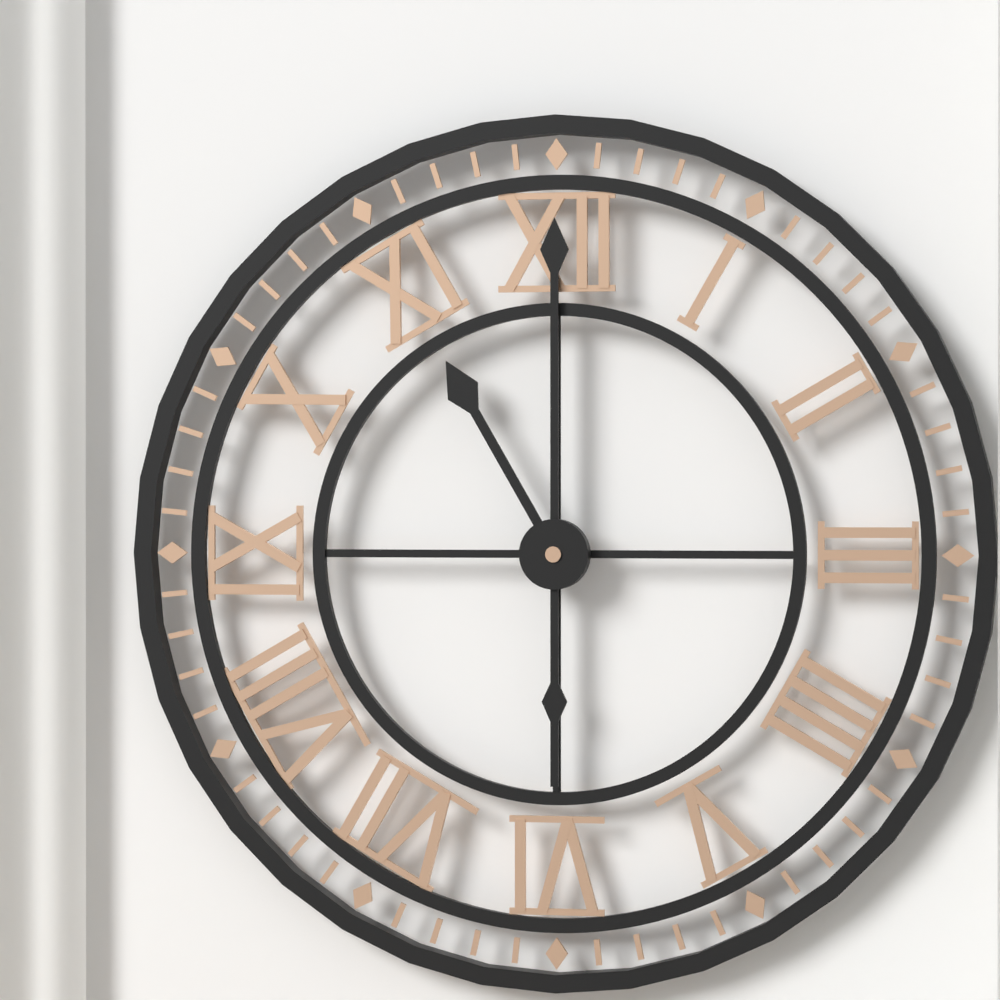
11:00
